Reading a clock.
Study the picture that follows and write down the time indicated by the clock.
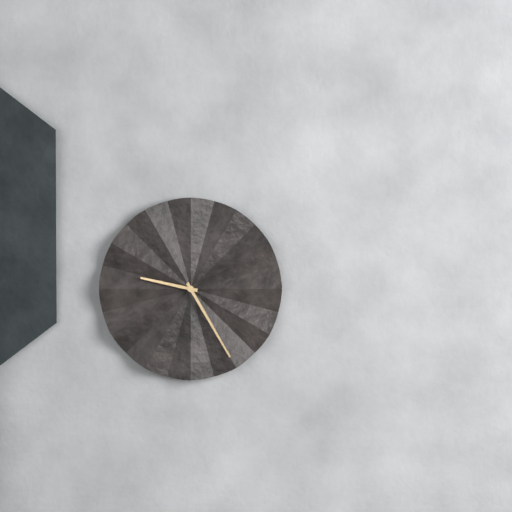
9:25
